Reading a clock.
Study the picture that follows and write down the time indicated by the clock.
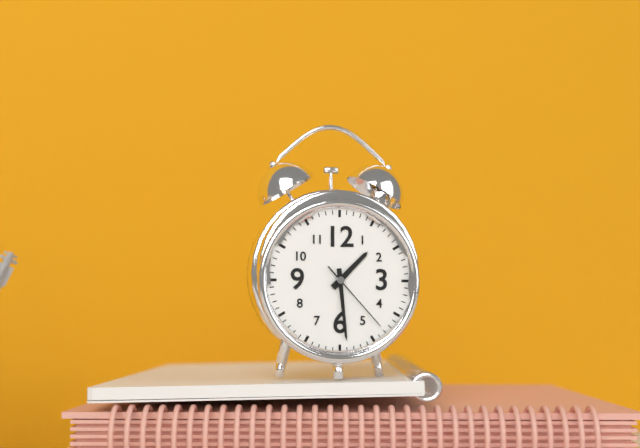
1:29:23
